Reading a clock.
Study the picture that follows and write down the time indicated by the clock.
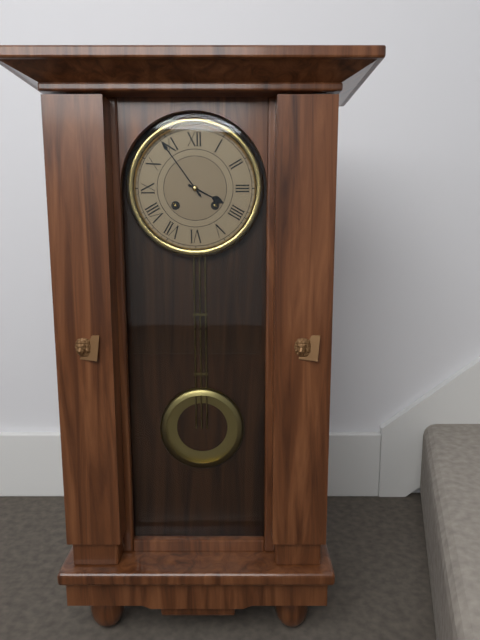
3:54
